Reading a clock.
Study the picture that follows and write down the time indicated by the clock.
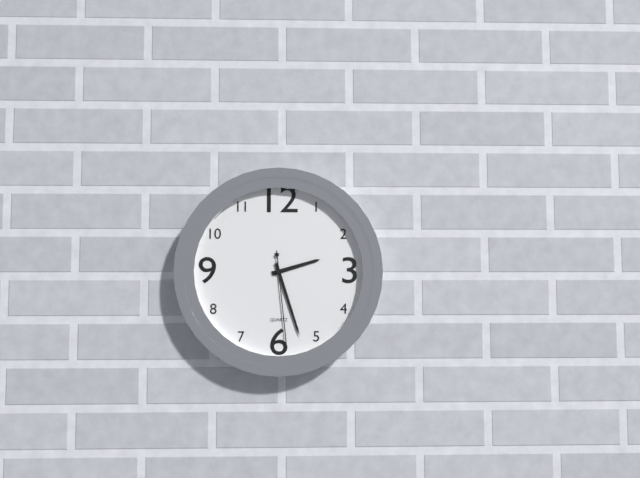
2:27:29
